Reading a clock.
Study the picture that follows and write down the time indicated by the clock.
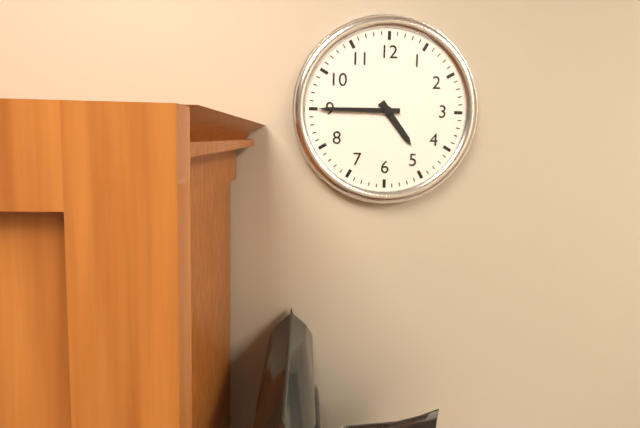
4:45
